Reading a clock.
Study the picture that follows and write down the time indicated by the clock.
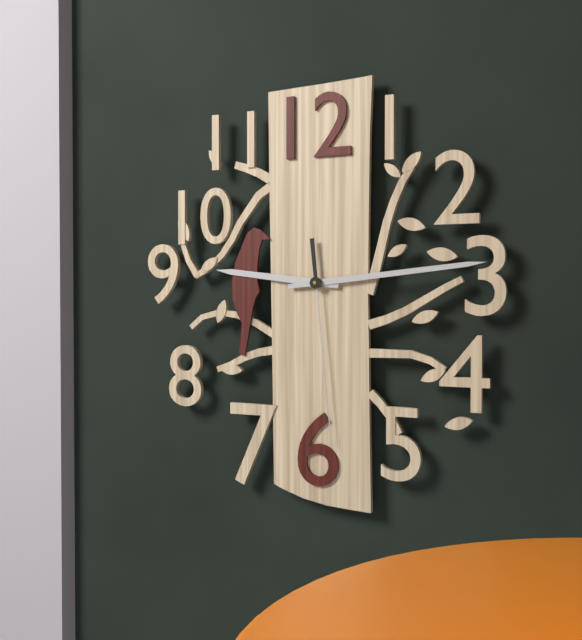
9:14:29
